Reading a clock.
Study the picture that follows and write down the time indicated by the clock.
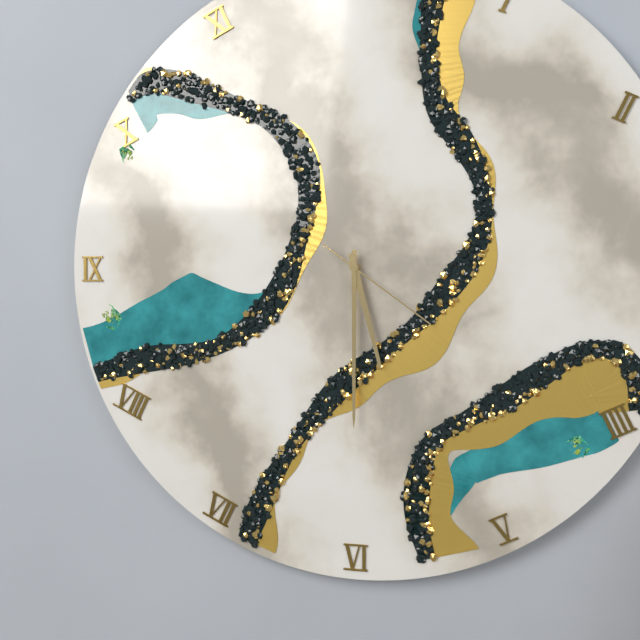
5:30:21
